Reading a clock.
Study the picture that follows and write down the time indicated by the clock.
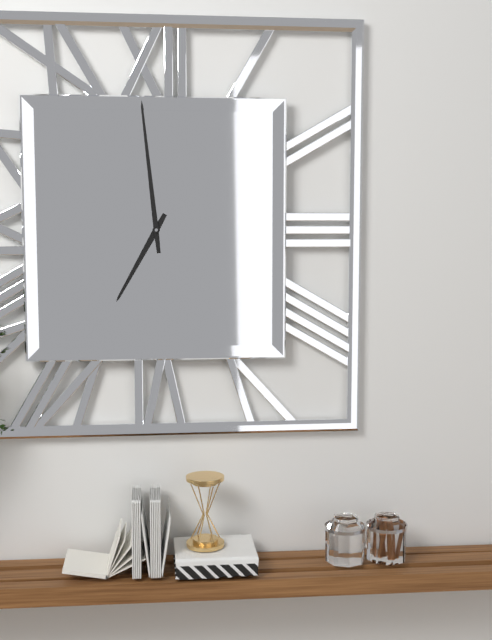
6:59
